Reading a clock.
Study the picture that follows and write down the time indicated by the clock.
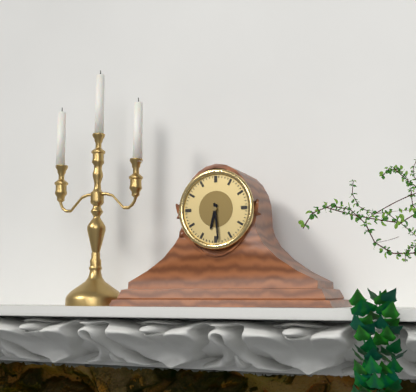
6:29
